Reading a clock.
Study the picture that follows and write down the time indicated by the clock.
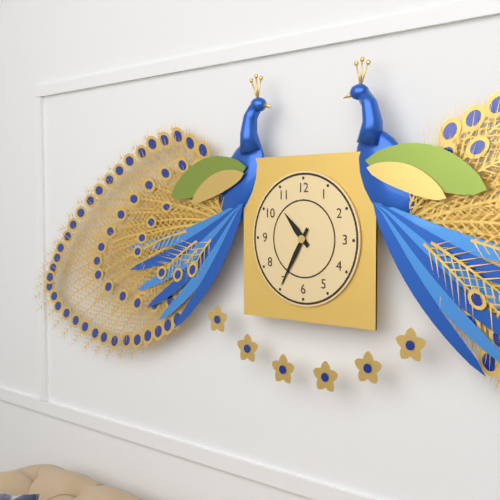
10:35
